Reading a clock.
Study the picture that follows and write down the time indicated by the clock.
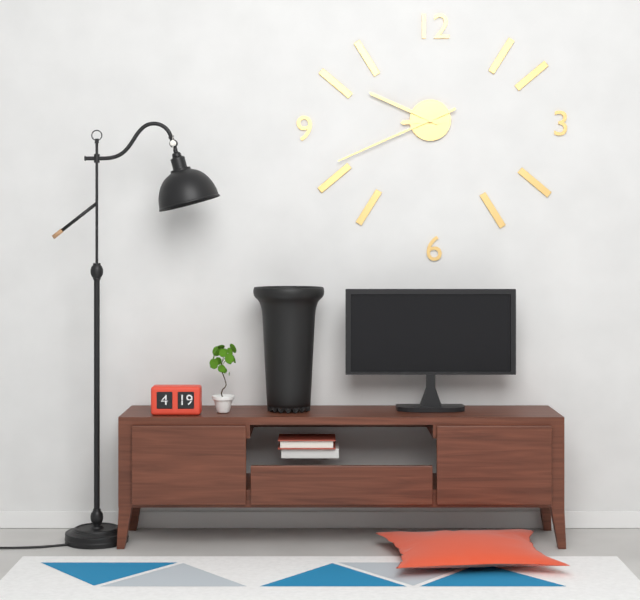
8:49:41
